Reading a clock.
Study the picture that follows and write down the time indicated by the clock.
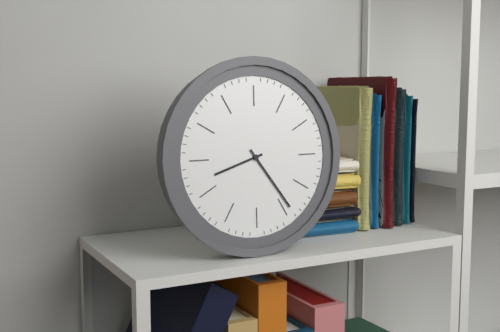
8:24
